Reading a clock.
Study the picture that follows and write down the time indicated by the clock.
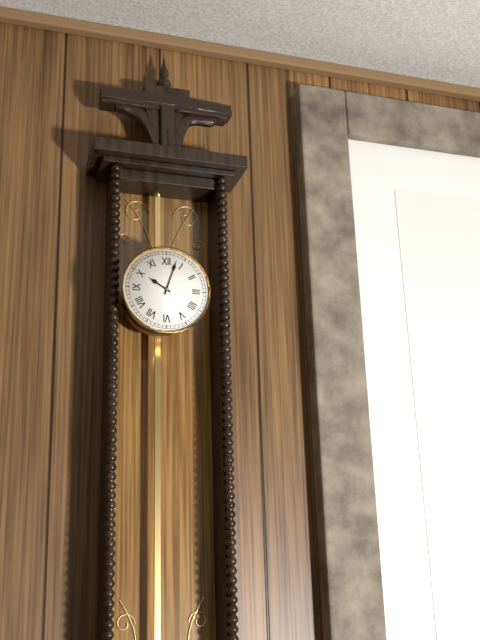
10:03
